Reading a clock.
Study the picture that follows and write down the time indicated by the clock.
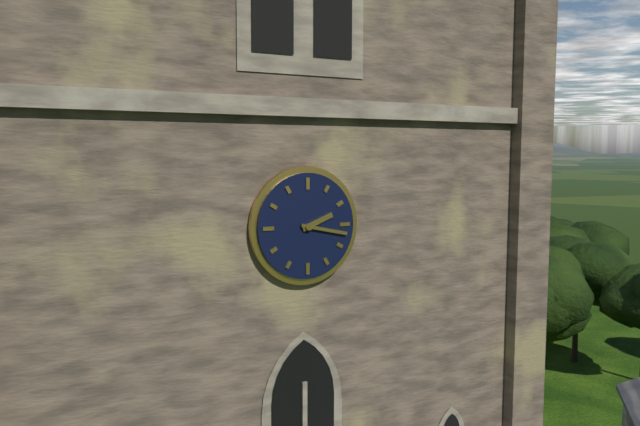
2:17
